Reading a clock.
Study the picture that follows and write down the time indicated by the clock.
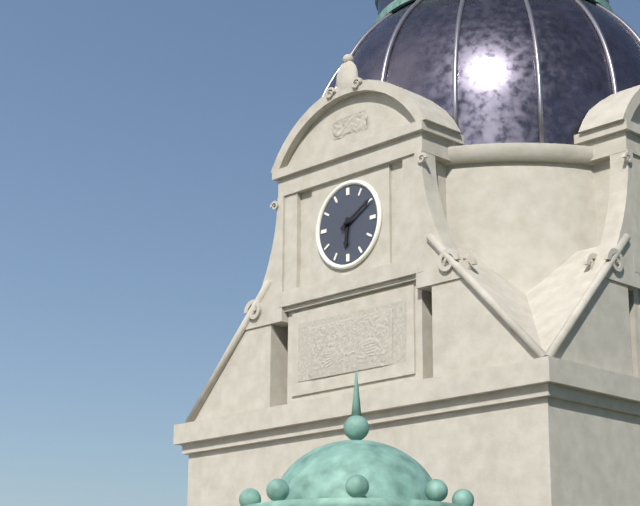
6:10
